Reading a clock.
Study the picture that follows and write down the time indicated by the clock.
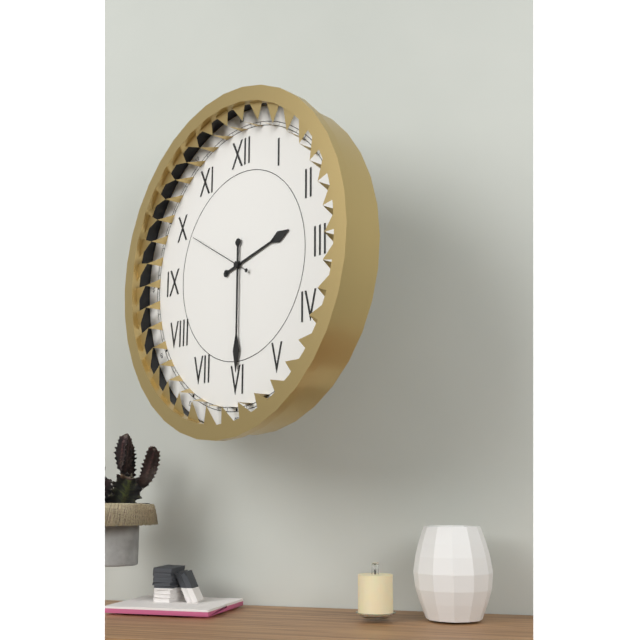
2:30:50
